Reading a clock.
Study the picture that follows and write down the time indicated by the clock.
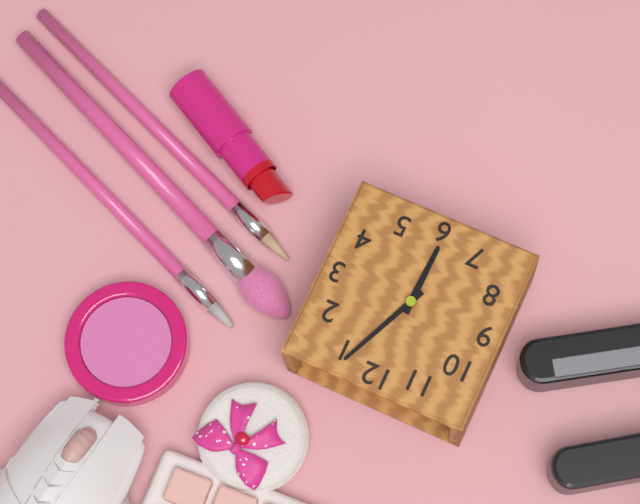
6:04
